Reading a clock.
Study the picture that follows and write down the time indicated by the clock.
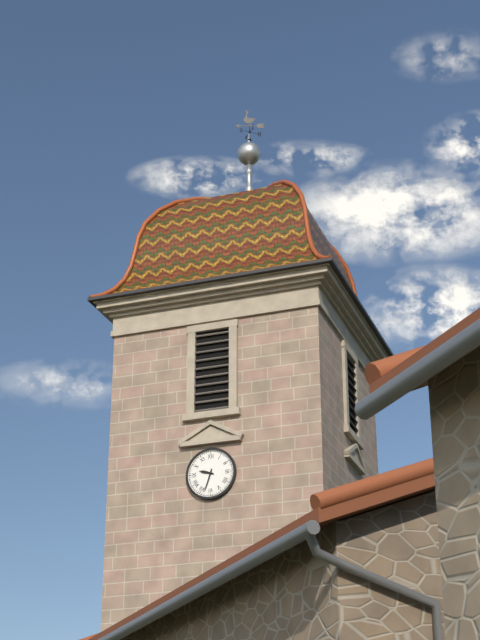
9:33
